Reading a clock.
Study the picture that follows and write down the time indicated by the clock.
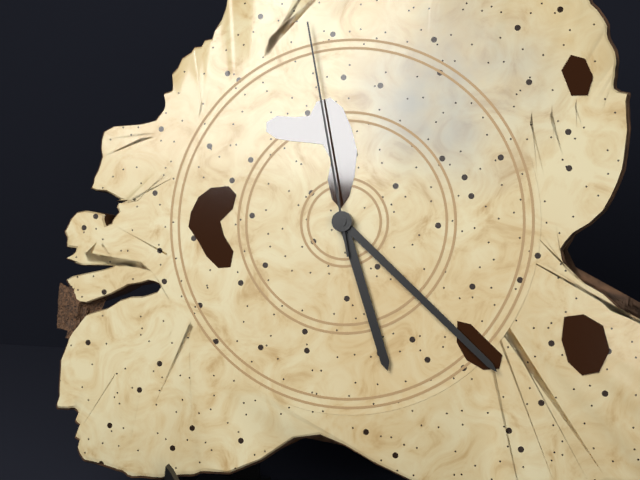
5:22:58
